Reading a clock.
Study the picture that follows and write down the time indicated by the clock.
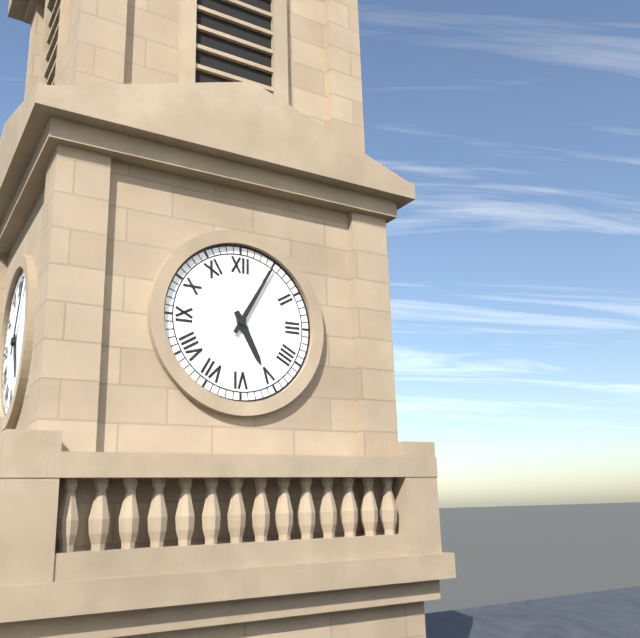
5:05
